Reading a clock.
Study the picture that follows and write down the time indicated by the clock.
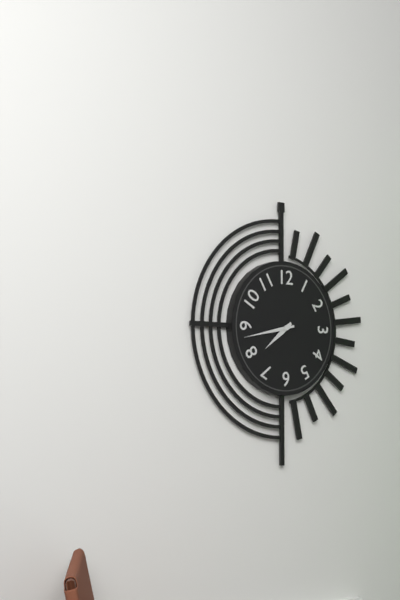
7:43
